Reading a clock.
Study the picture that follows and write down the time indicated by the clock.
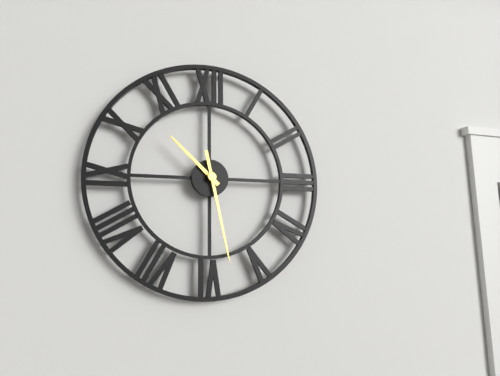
10:28
